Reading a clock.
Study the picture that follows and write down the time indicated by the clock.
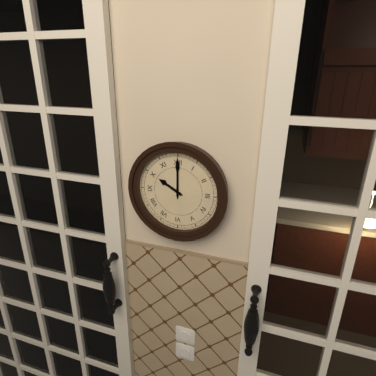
10:00
